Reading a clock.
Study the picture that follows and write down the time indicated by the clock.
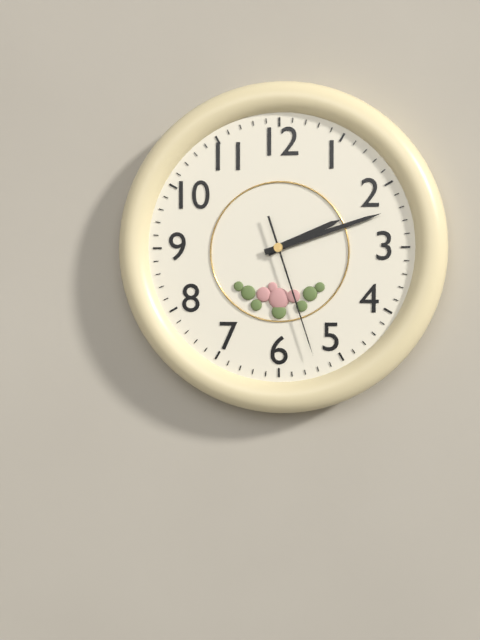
2:12:27
